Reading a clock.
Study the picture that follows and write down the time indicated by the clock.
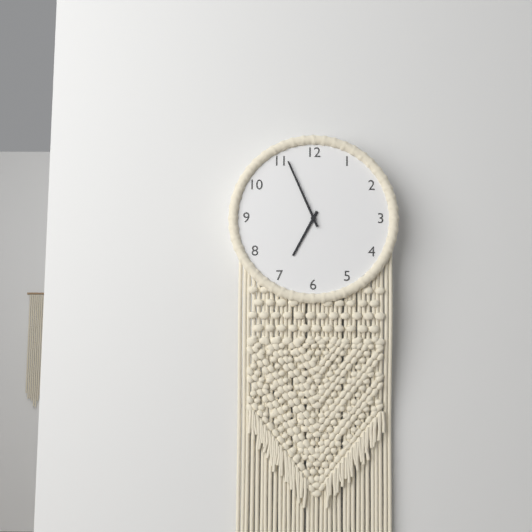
6:56
